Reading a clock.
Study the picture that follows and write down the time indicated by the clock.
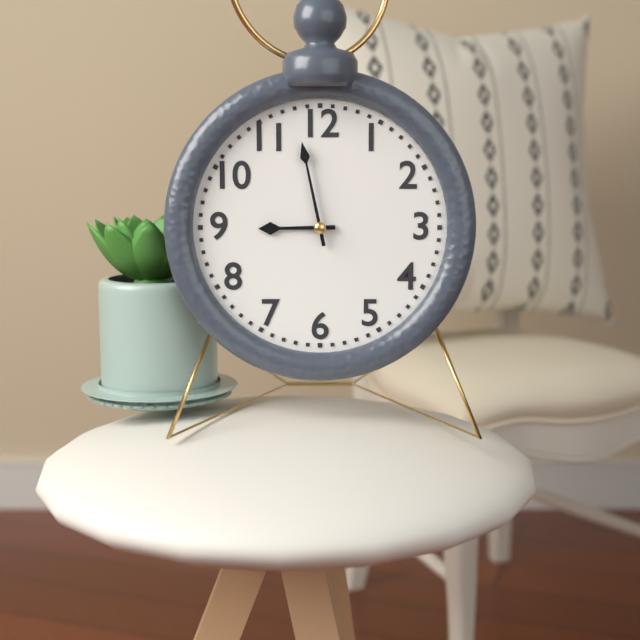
8:58
